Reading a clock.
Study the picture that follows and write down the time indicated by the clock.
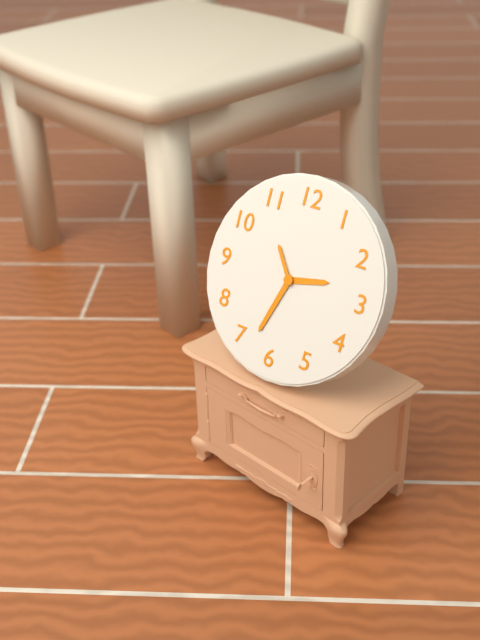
2:33
